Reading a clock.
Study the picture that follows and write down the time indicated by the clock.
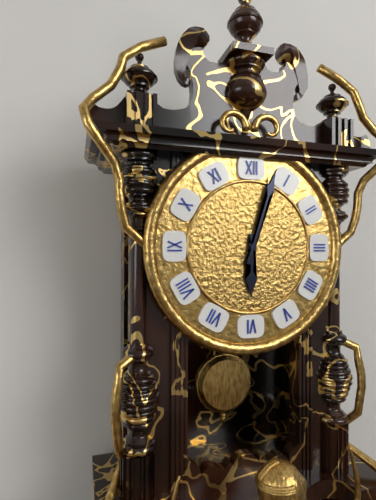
6:03
